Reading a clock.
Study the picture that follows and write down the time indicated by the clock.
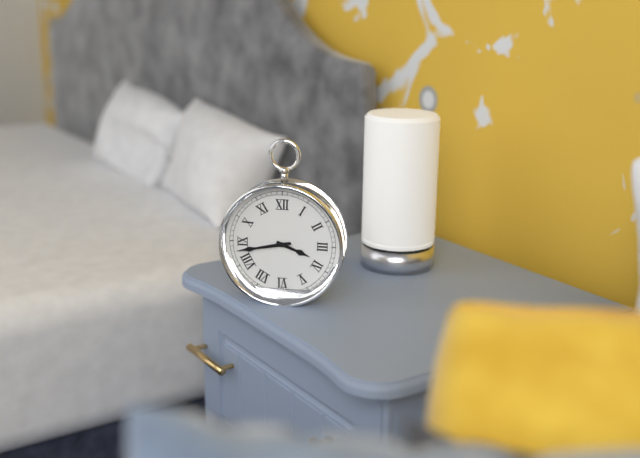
3:43
